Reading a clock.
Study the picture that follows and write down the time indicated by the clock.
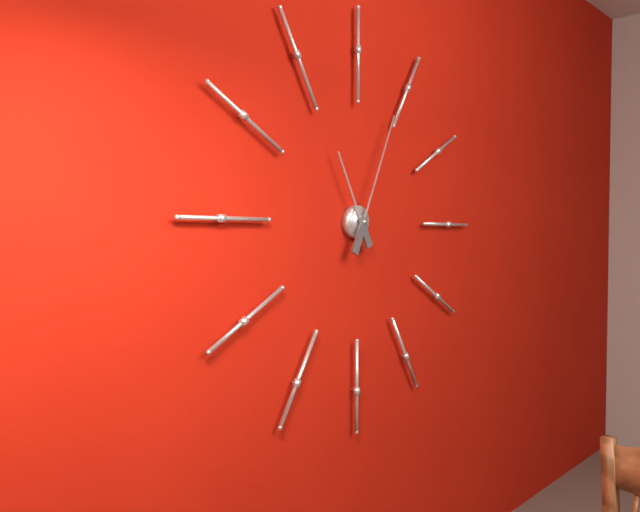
11:04
